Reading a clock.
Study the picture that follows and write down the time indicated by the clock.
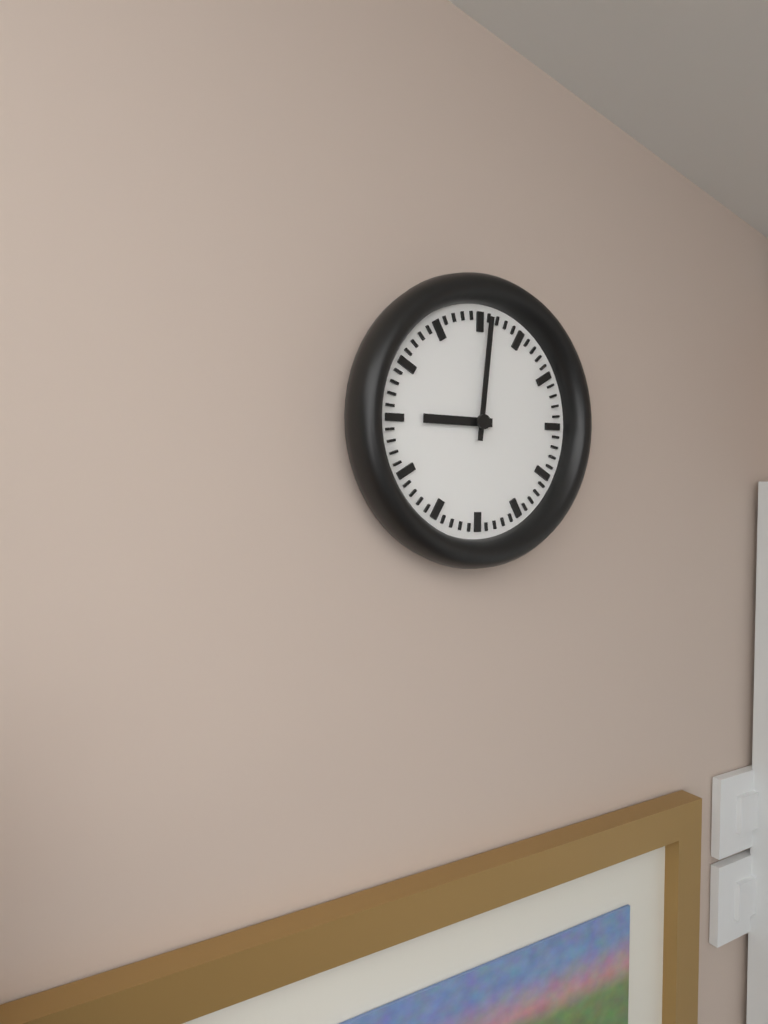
9:01
